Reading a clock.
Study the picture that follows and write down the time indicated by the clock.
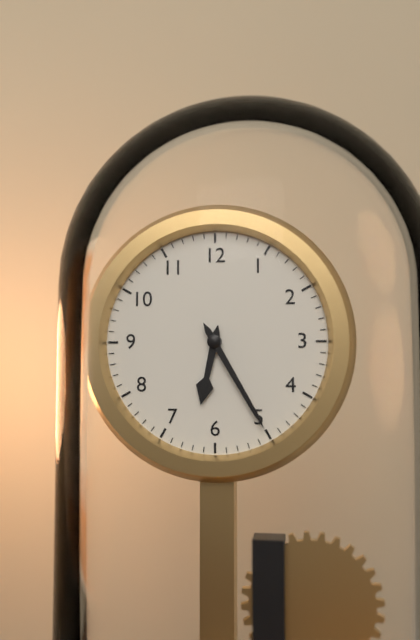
6:25
